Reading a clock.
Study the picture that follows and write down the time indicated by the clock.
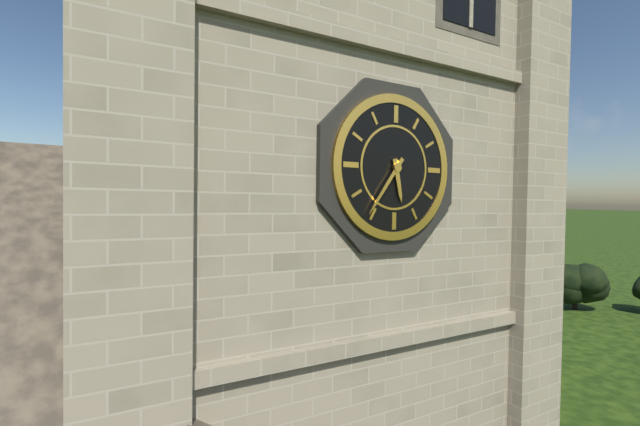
5:36
